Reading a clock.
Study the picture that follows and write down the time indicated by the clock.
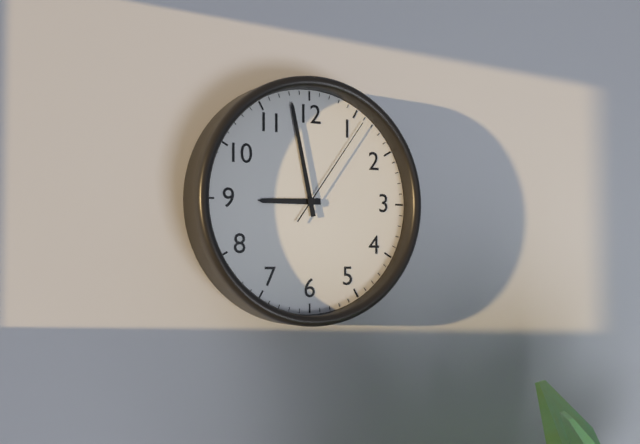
8:58:06
